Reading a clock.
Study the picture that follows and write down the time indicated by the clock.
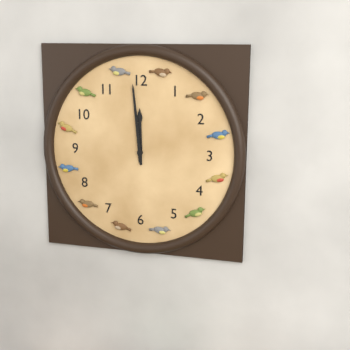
11:59
